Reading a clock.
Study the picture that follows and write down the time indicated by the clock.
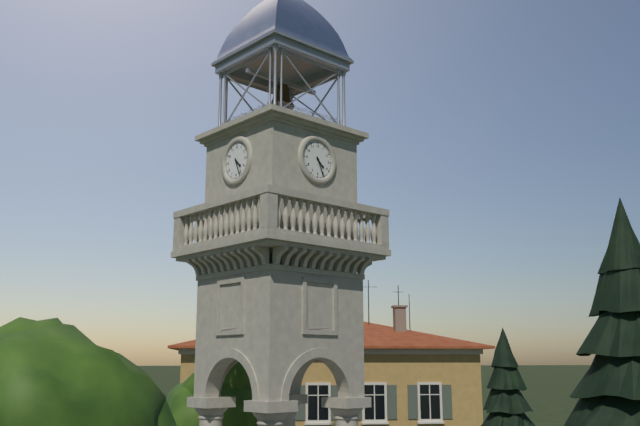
4:26
